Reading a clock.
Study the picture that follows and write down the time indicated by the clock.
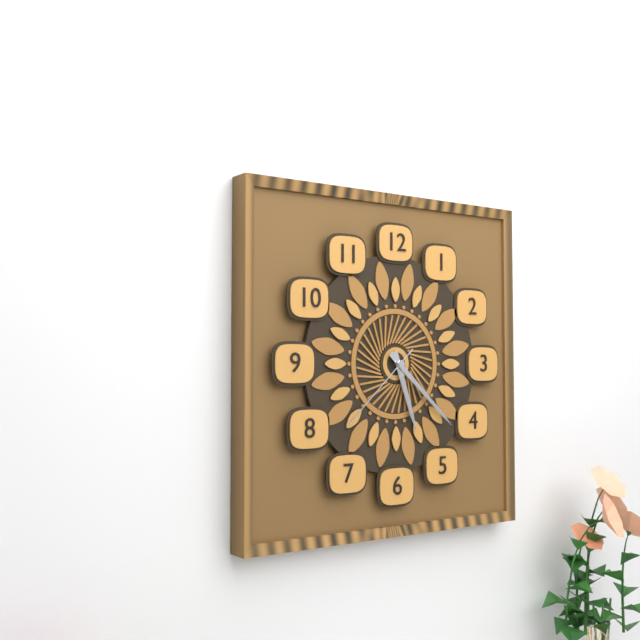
5:22:38
